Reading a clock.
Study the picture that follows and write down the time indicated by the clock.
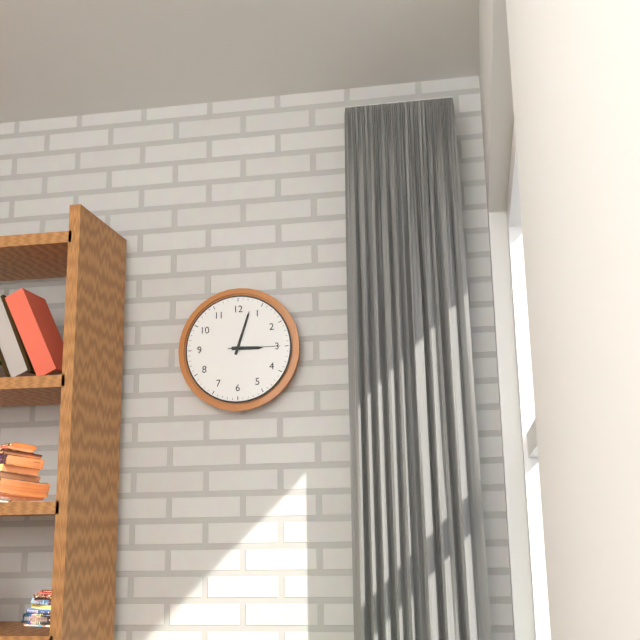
3:03:15
